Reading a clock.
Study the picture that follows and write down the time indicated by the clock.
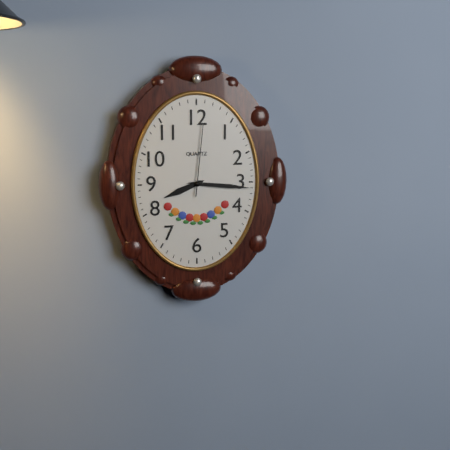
8:16:01
